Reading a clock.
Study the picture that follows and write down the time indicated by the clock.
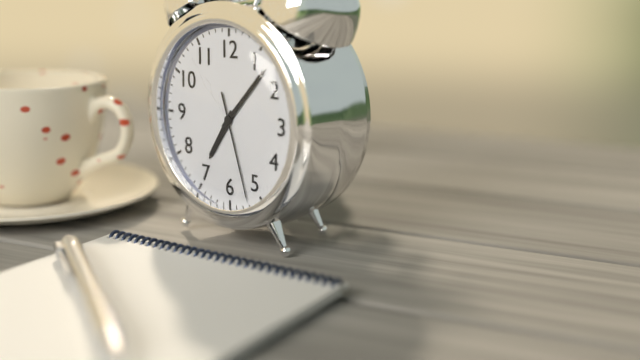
7:07:27
